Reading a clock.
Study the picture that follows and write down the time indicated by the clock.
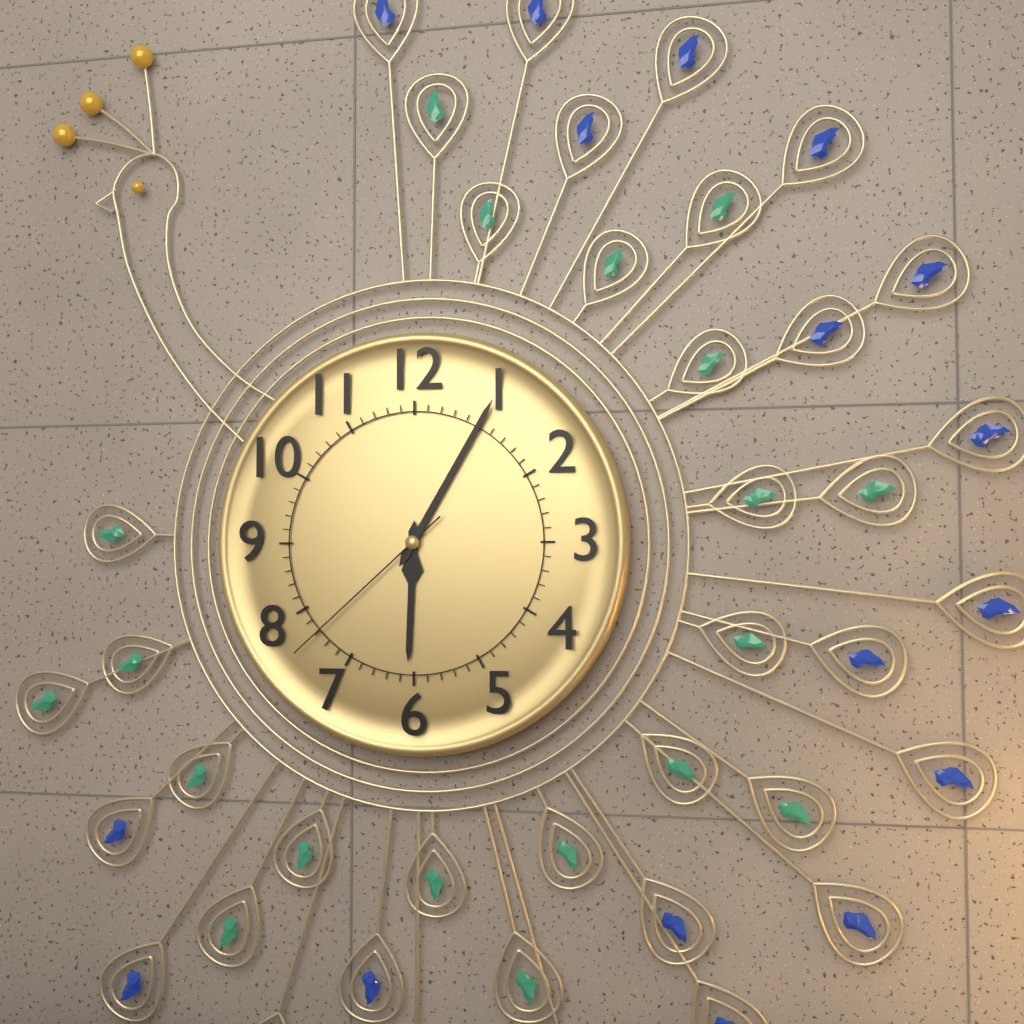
6:05:38
